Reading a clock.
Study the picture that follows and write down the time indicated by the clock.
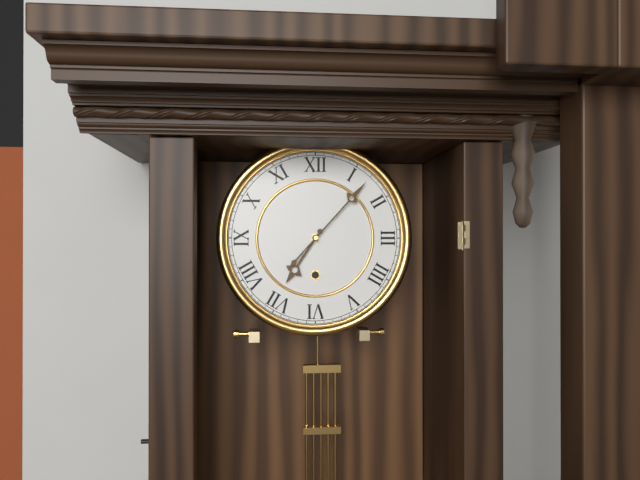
7:07
